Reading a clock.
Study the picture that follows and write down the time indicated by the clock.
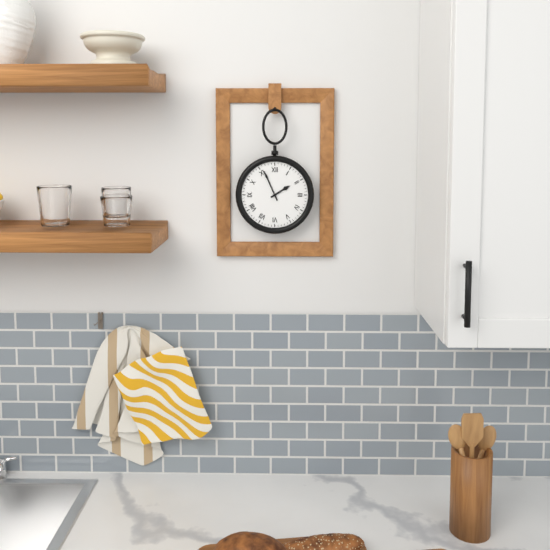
1:56
